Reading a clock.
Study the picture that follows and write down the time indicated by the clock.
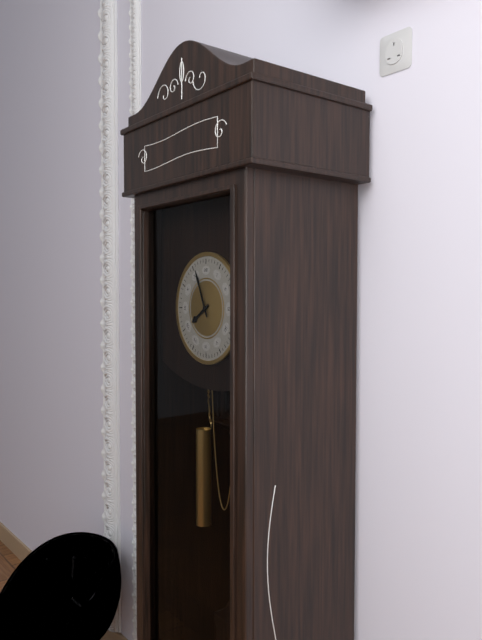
7:56
